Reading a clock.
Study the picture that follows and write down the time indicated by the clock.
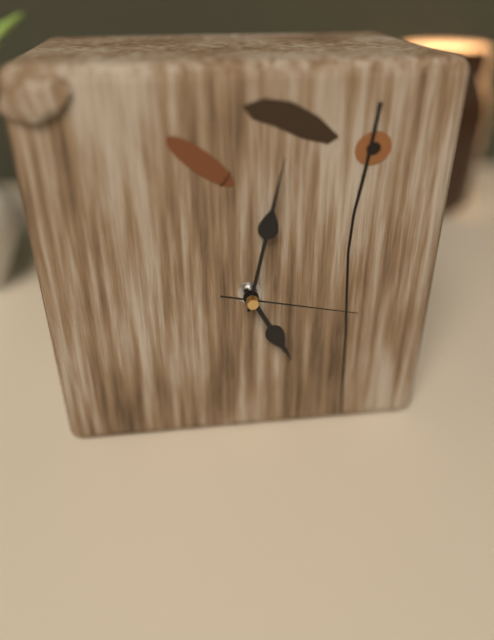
5:02:17
